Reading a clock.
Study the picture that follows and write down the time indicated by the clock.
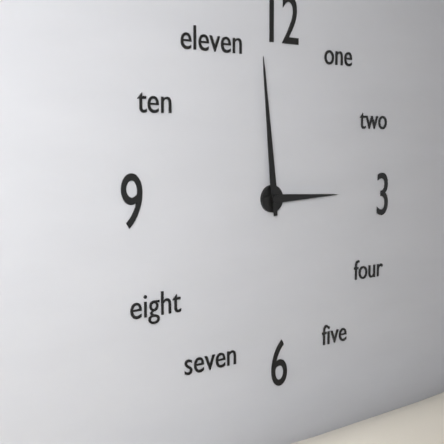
2:59
